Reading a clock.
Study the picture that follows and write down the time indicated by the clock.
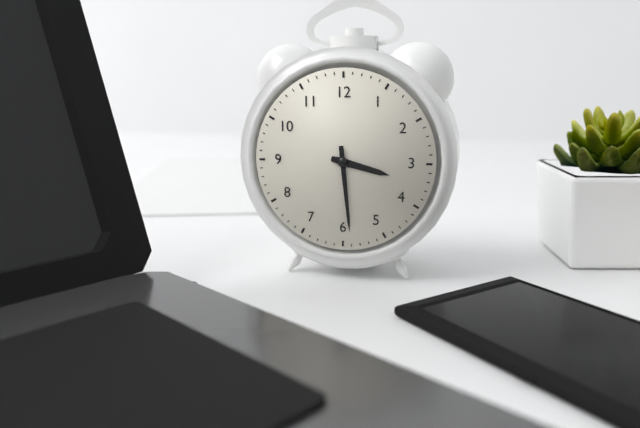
3:29
